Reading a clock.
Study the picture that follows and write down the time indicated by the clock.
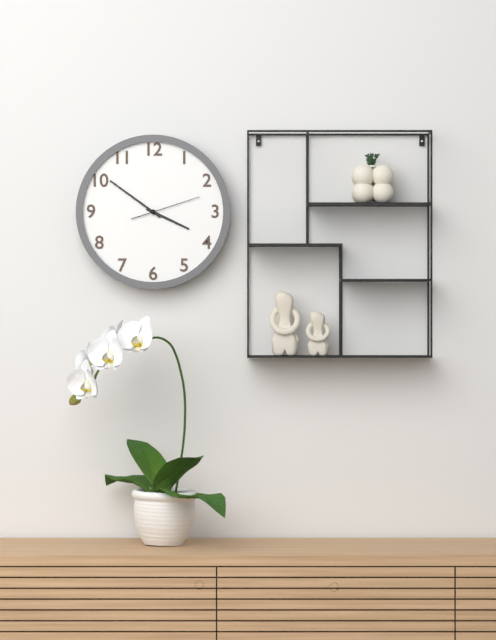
3:51:12
